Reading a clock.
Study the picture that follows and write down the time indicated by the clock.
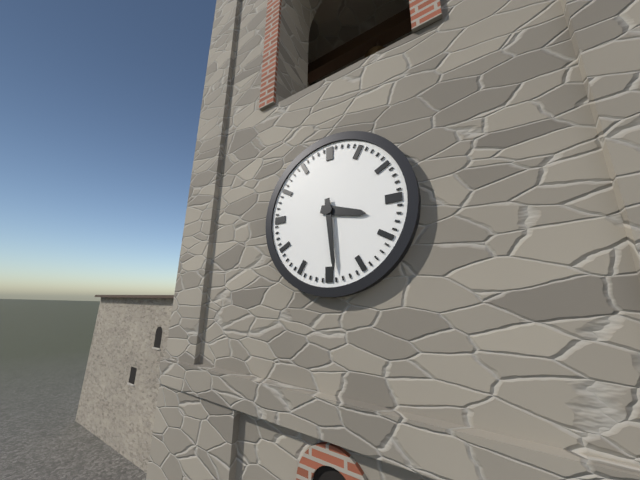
3:29
